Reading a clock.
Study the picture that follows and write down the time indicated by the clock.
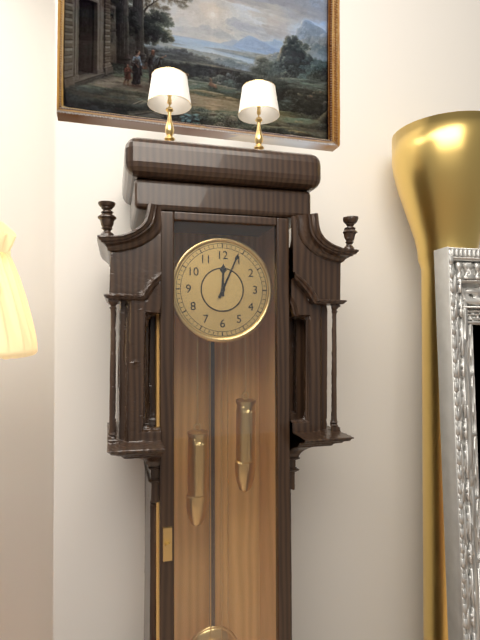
12:04
